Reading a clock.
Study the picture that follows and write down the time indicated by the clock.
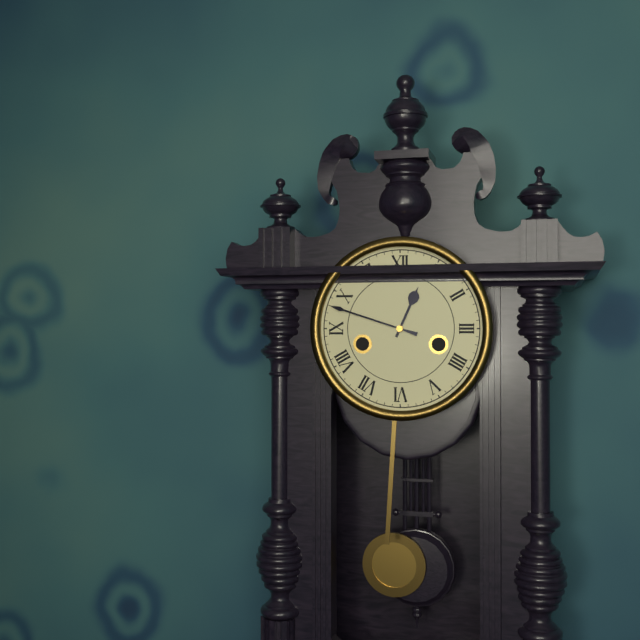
12:48
